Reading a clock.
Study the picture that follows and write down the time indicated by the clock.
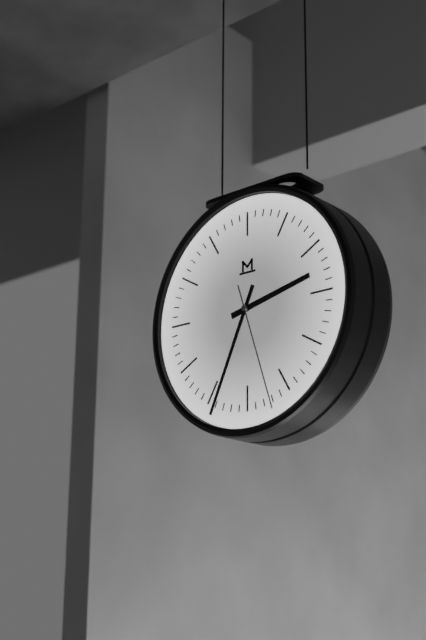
2:34:27
